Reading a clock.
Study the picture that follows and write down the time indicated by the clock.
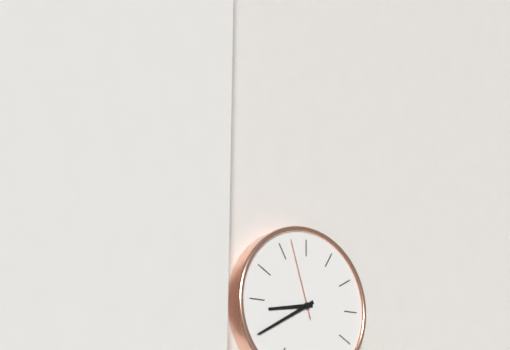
8:40:57
